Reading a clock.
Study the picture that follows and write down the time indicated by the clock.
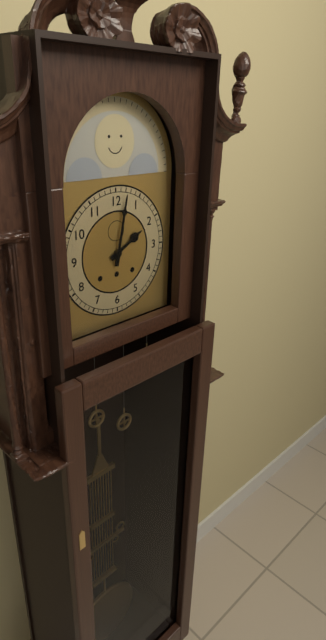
2:02
